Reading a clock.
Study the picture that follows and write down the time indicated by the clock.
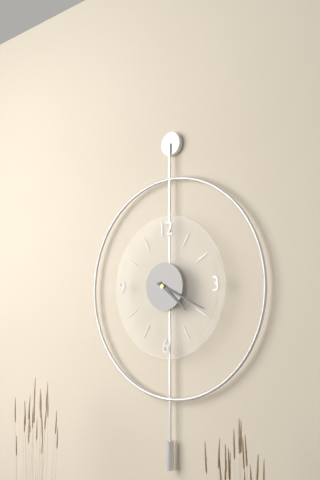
4:19
